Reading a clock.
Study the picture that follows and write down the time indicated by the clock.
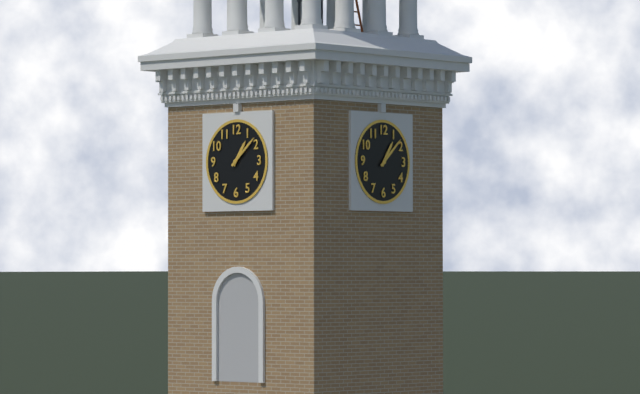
1:08
